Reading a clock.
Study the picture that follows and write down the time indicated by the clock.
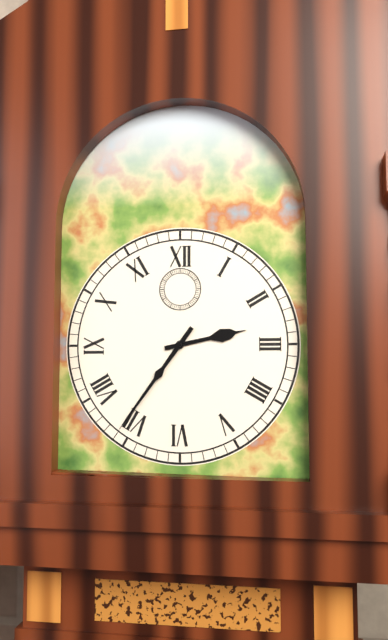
2:36
